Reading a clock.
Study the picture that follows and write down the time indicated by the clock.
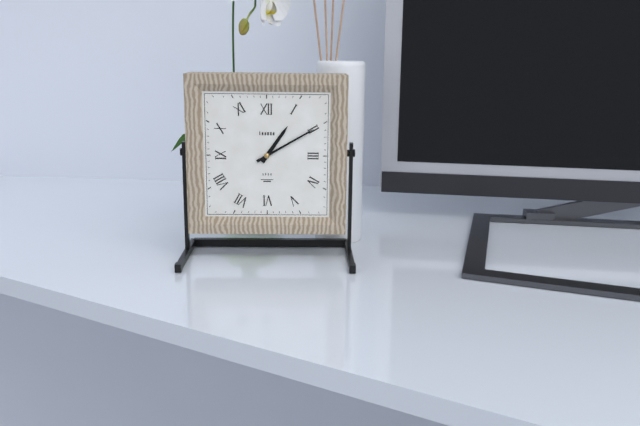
1:10
